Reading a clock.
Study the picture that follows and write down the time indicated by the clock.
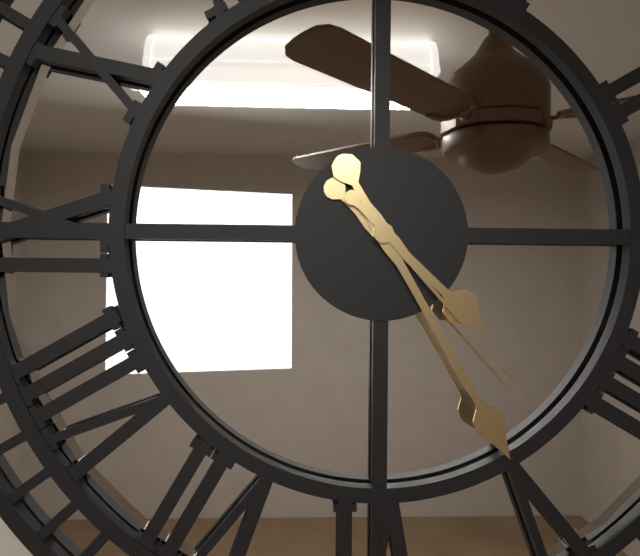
4:25:23
